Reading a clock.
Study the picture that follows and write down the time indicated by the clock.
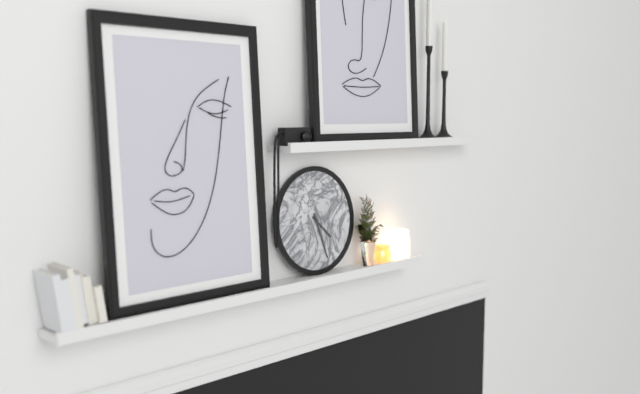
4:27
